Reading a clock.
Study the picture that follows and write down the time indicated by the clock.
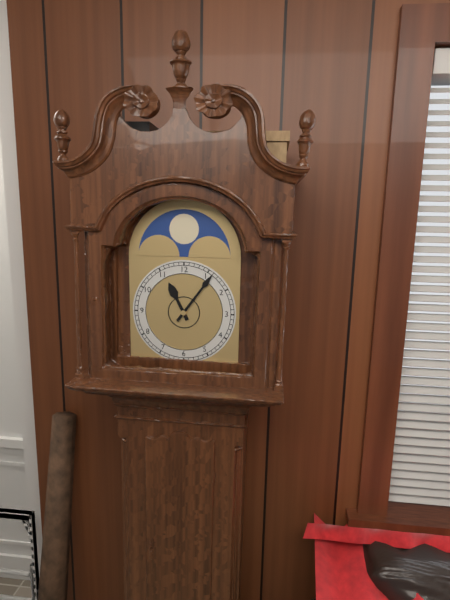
11:06
